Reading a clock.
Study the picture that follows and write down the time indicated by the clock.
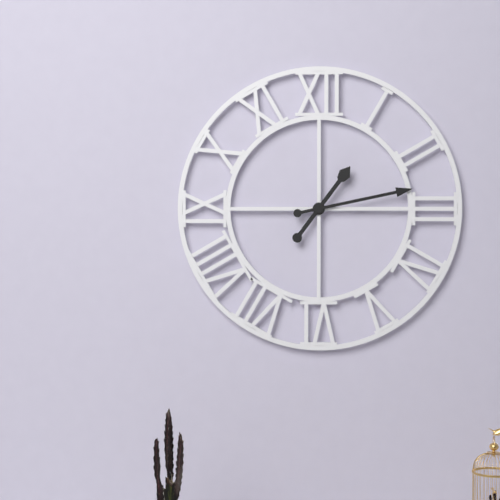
1:13
